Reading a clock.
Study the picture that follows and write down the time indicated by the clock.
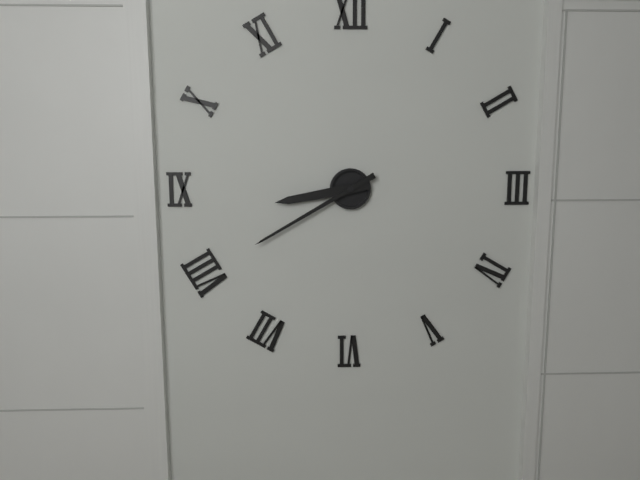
8:40
